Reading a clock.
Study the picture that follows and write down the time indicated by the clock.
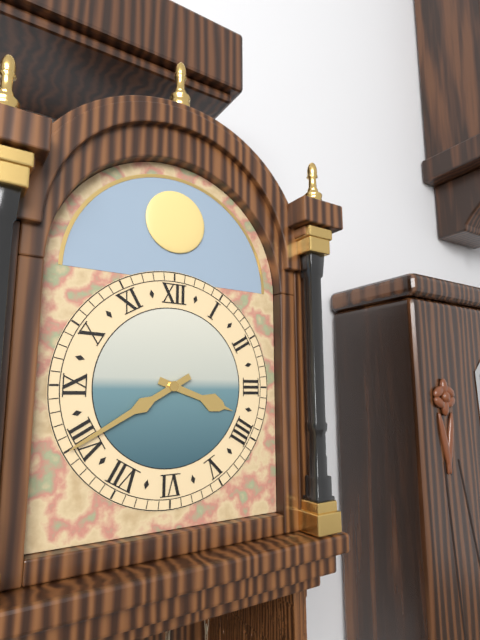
3:40
